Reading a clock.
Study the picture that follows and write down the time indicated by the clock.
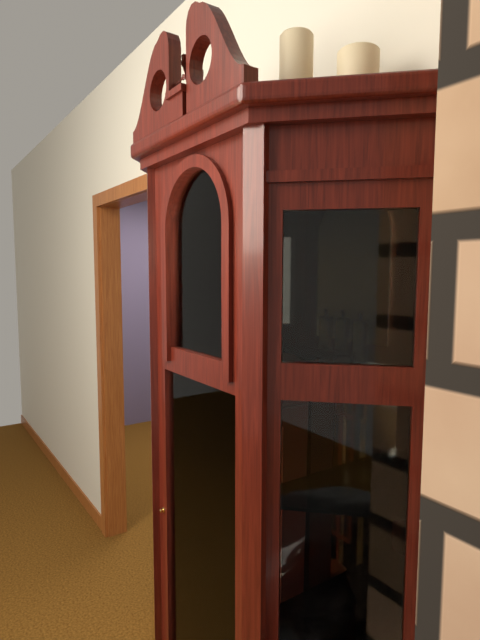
1:52
